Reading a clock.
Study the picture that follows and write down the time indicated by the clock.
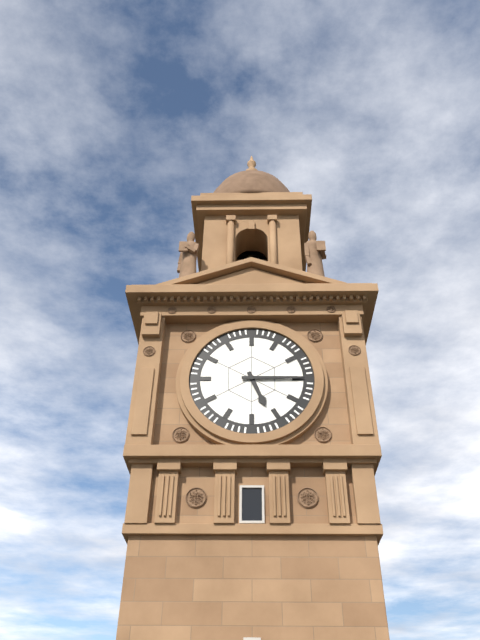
5:15
